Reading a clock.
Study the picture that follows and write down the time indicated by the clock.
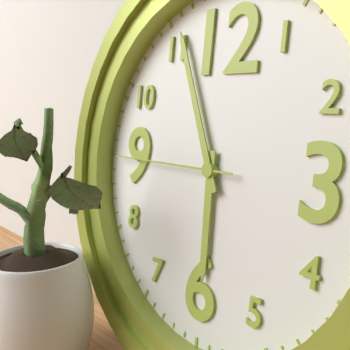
5:56:45
